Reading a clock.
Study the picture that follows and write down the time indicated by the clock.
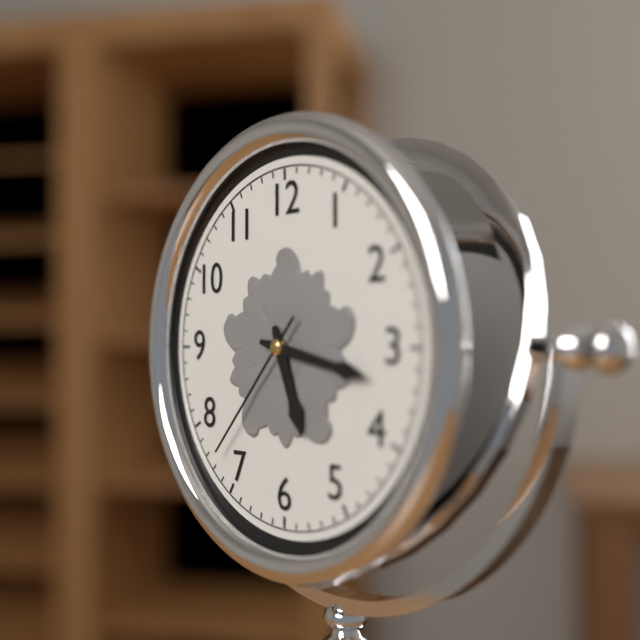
5:17:37
